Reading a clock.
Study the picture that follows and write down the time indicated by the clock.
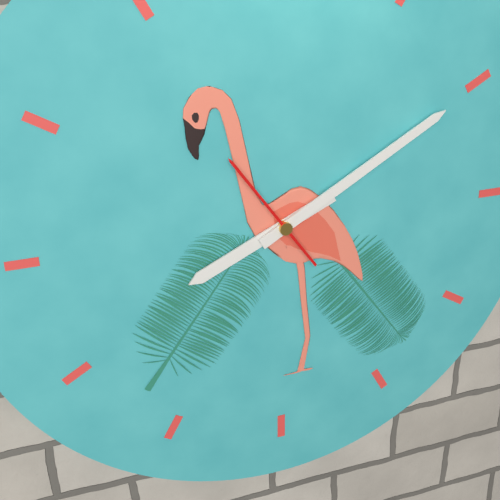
8:10:54
